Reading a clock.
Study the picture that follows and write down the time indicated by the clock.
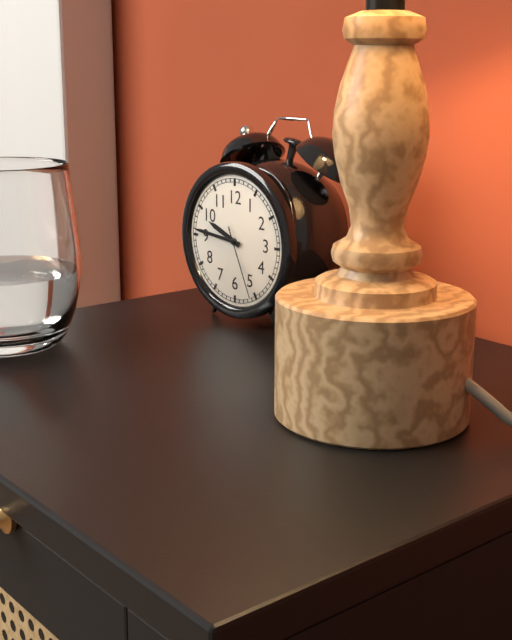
9:46:26
